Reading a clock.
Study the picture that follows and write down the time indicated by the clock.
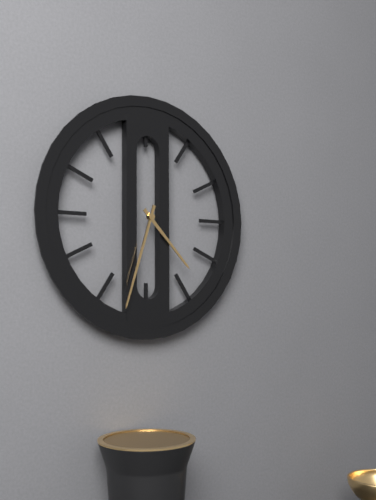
4:33
